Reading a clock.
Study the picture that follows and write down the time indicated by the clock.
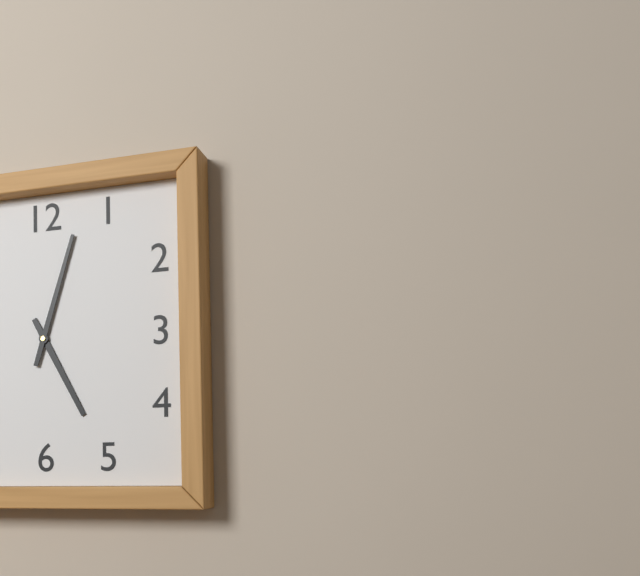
5:03
